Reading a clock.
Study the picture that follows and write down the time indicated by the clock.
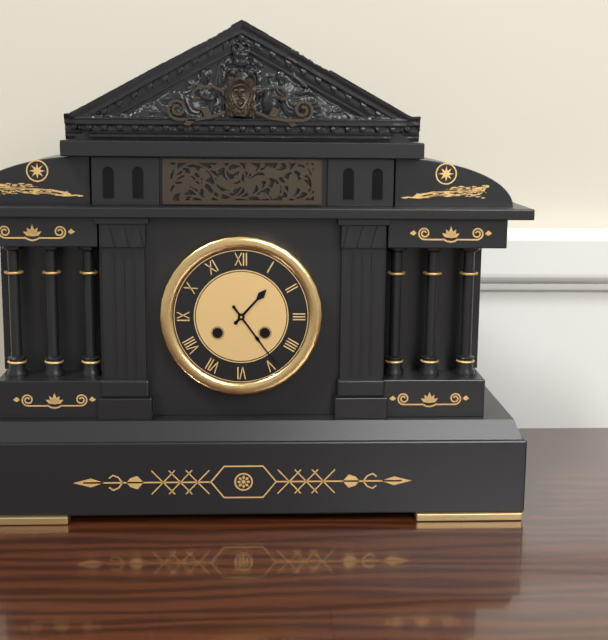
1:24
